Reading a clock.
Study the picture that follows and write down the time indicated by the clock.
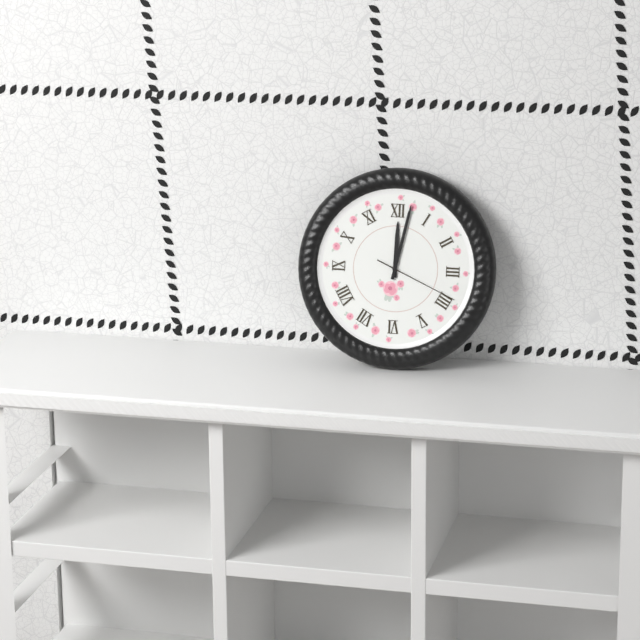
12:02:19
